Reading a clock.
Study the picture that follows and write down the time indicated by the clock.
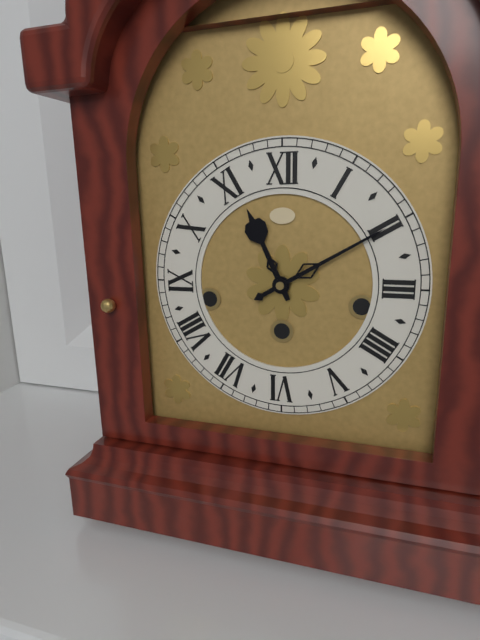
11:10
